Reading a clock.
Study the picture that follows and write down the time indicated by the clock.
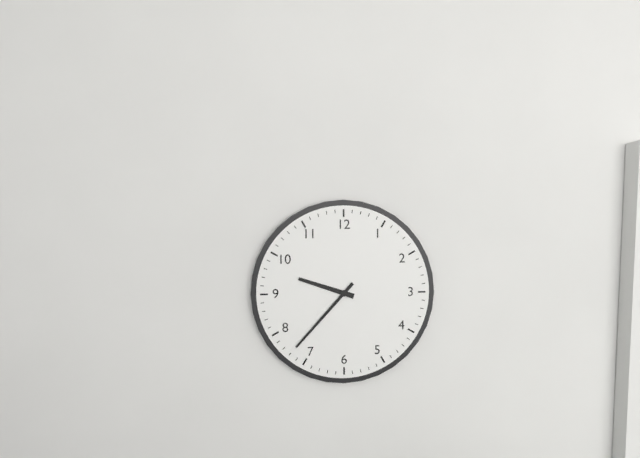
9:37
